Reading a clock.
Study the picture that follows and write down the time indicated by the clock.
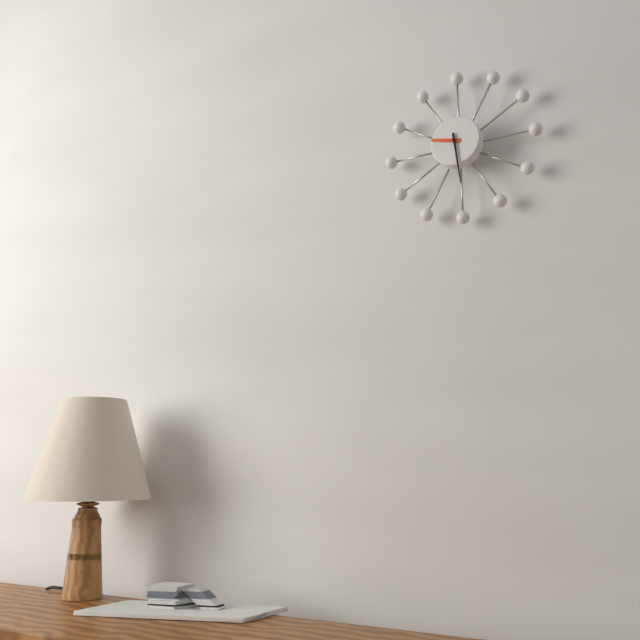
9:29
